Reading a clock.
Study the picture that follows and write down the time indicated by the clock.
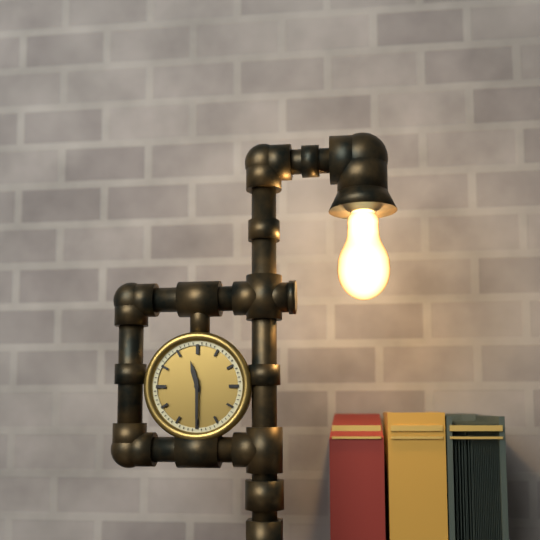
11:30
